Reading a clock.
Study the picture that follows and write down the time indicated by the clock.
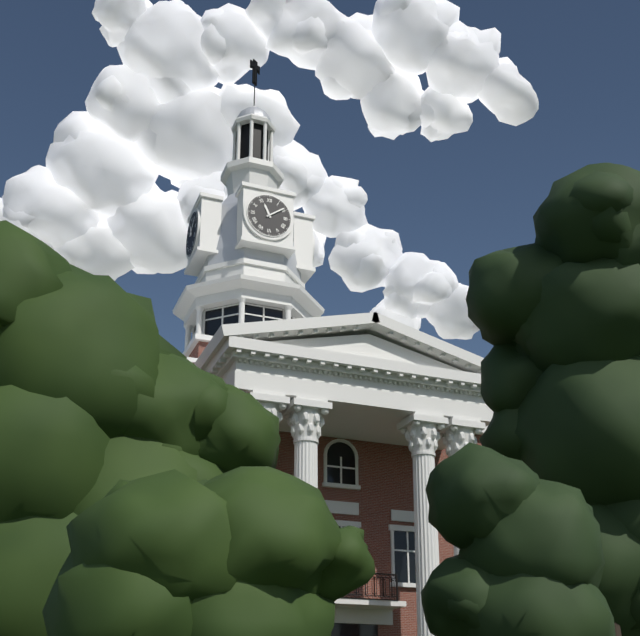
11:09
